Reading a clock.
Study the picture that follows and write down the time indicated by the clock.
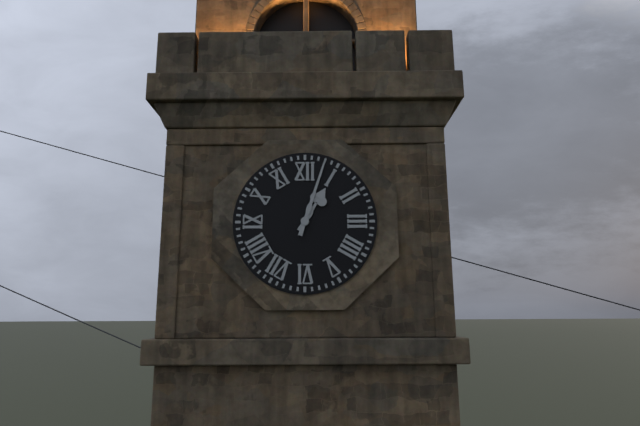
1:03
